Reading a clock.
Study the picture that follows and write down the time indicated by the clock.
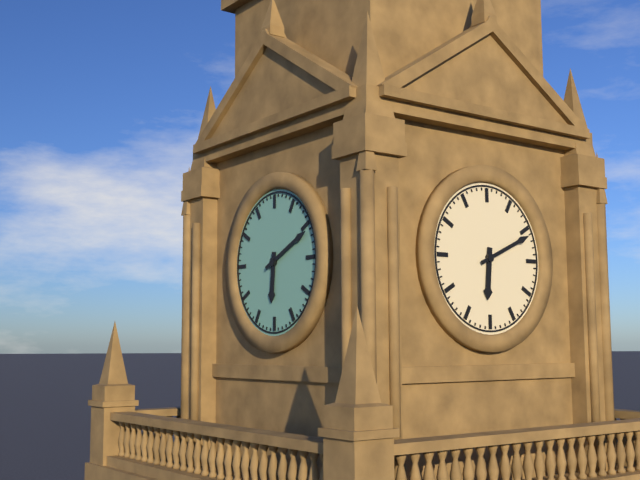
6:11
